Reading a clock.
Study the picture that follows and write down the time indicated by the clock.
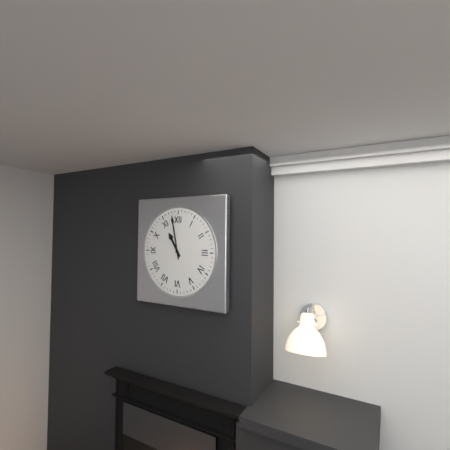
10:58
